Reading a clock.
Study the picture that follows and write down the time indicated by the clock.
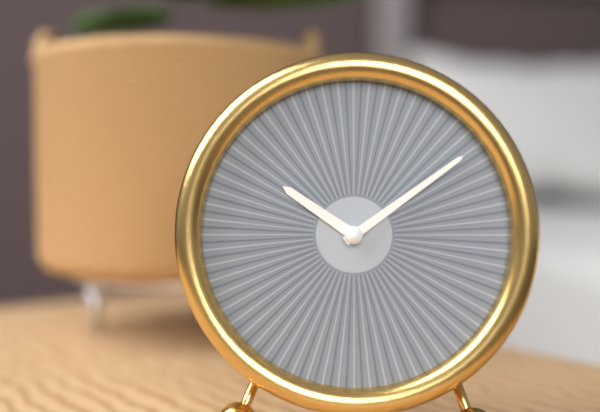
10:09
